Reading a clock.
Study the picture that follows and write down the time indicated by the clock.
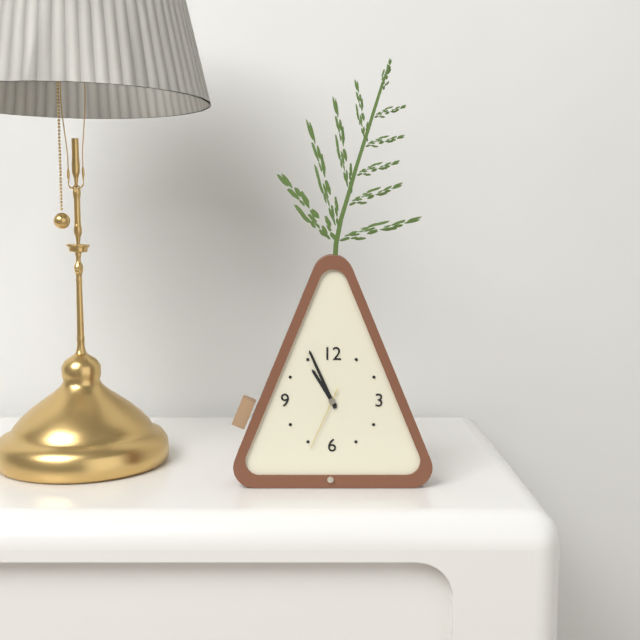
10:56:34
